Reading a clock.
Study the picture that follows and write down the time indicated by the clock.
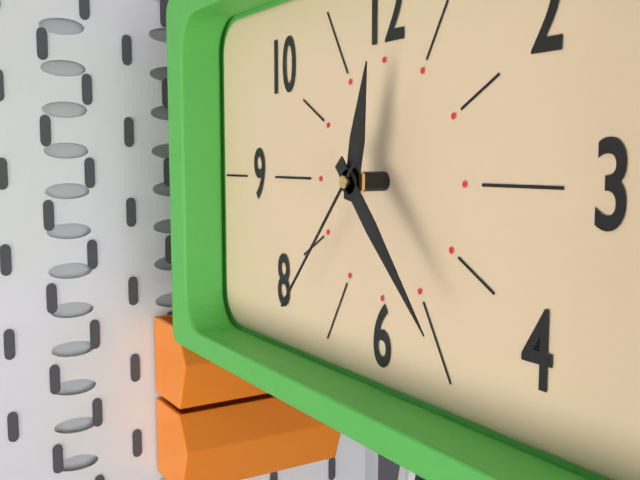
12:23:37
